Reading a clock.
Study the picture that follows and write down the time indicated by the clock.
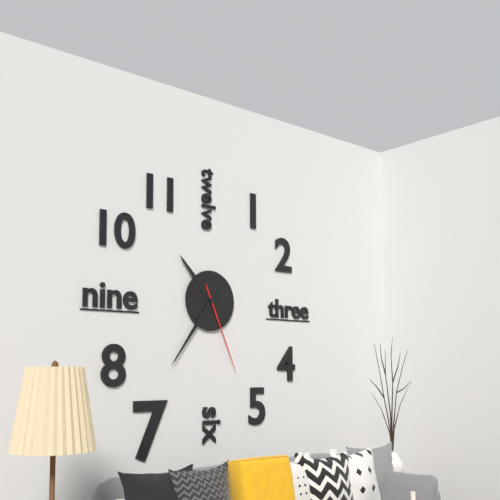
10:36:26
